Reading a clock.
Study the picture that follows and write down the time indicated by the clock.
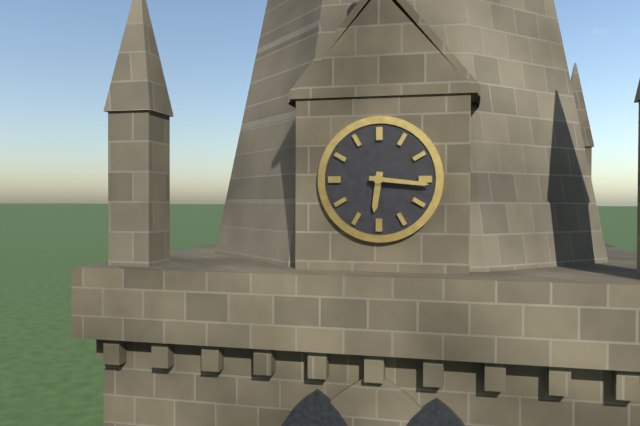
6:16
